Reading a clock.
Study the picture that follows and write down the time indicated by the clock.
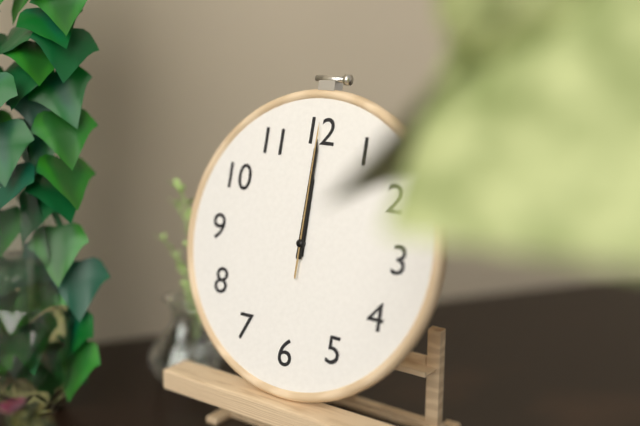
12:00:00
